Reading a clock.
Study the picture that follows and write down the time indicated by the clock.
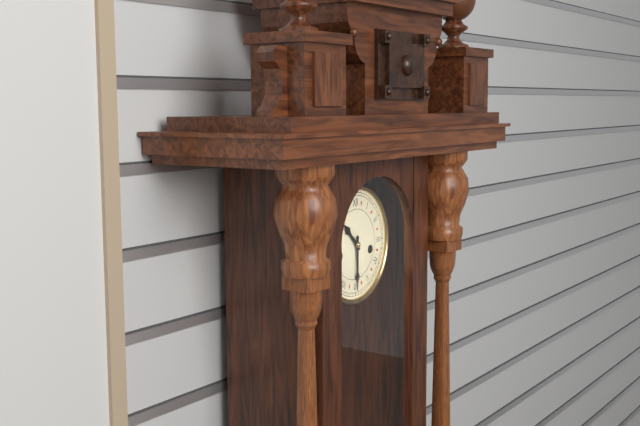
10:30
